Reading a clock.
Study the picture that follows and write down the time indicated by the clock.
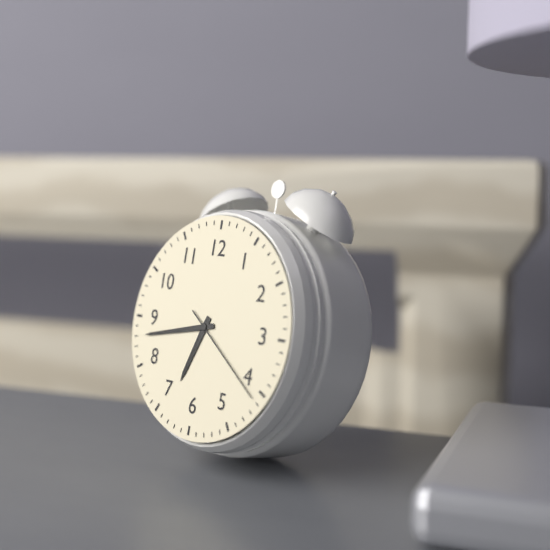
6:43:21
